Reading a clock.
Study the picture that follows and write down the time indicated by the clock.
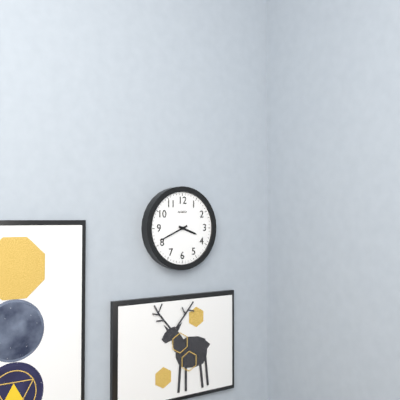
3:41
